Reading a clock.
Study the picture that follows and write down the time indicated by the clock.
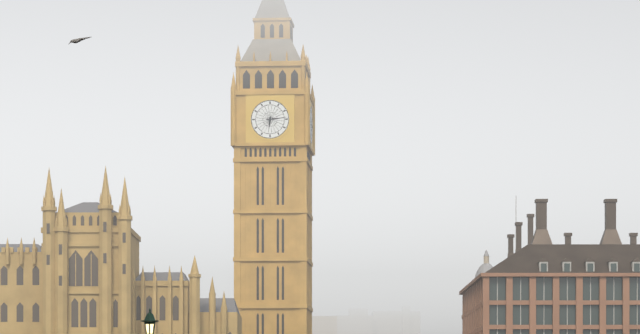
6:14
